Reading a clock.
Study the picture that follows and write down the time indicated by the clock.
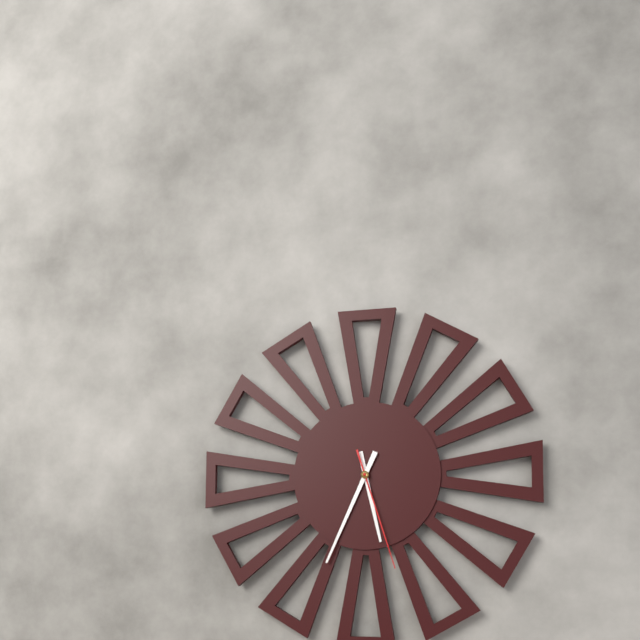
5:34:27
